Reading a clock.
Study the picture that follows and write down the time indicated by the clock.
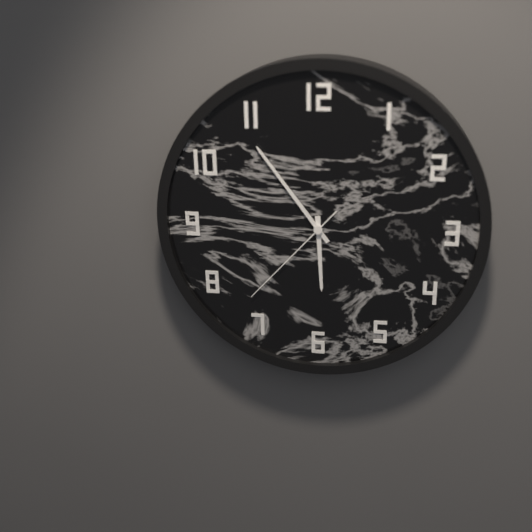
5:54:37
